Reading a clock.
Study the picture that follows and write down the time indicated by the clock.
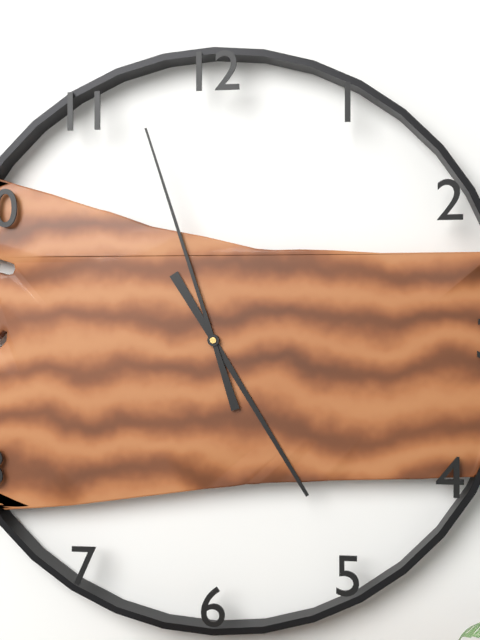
4:57
